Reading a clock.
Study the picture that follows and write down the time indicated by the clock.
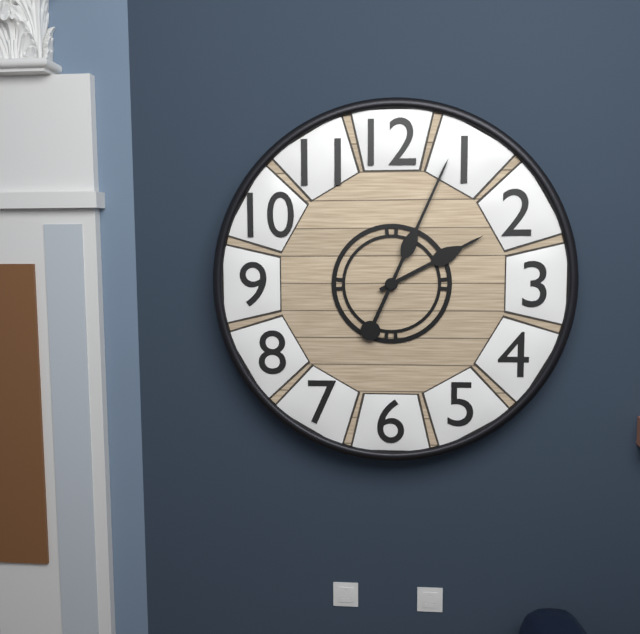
2:04
